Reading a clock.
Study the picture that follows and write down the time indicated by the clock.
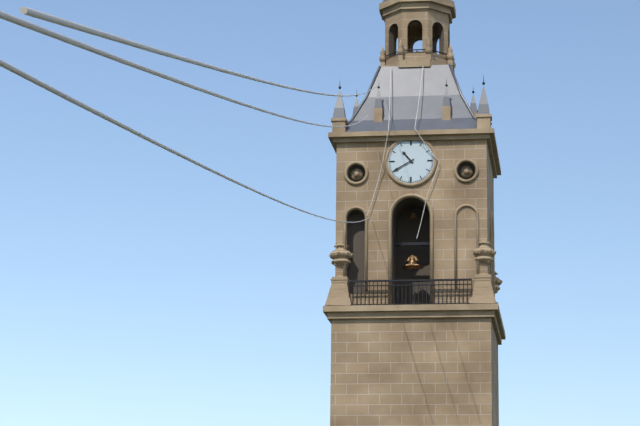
10:40
